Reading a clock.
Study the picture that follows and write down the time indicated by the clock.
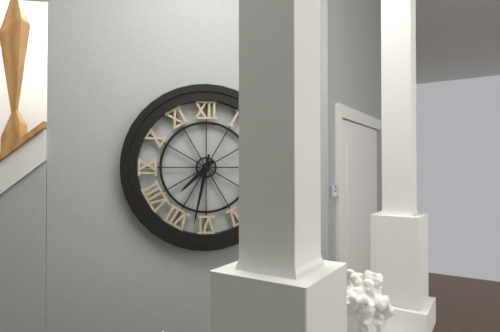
7:32
